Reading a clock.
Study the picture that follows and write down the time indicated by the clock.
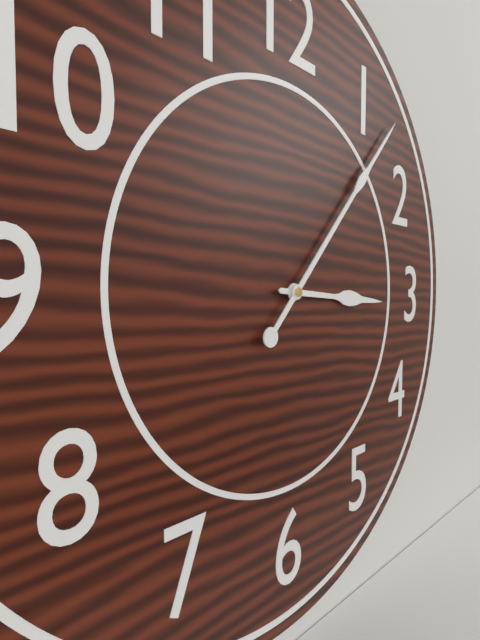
3:07
